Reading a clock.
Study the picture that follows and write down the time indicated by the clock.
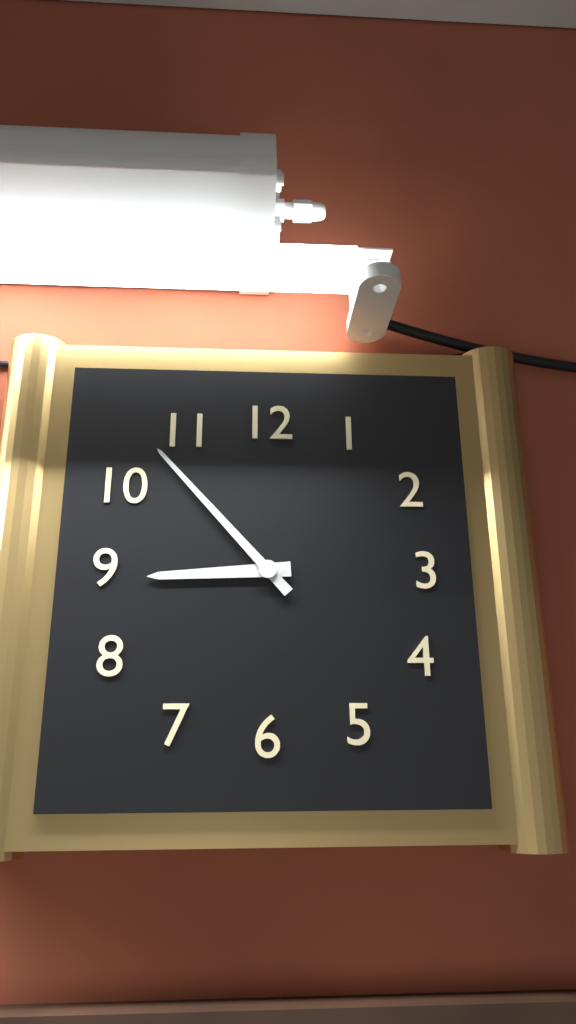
8:53
